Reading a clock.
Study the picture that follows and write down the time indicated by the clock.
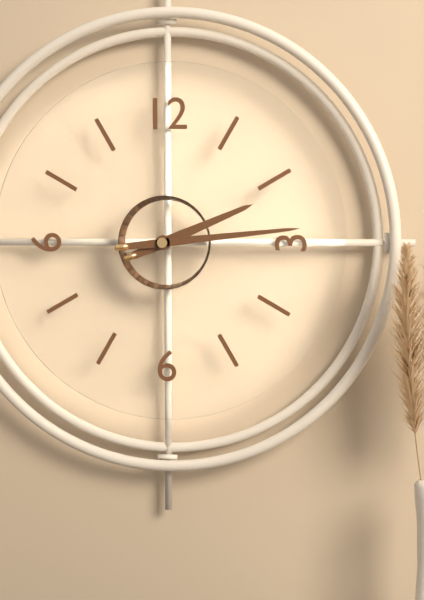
2:14
